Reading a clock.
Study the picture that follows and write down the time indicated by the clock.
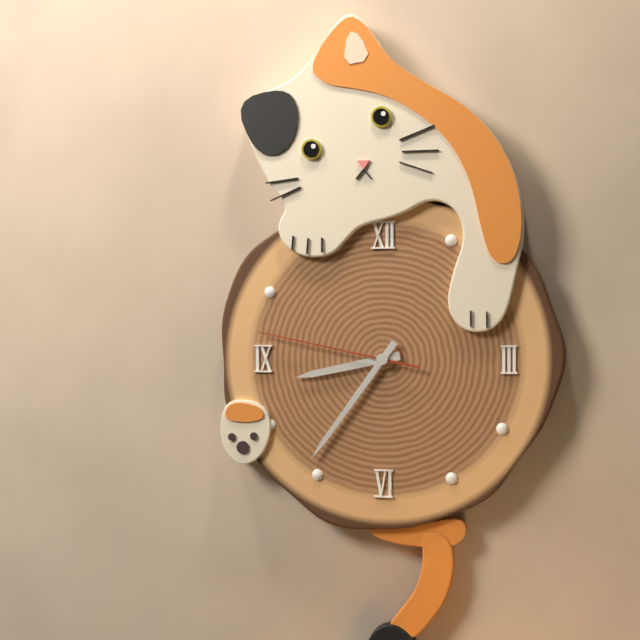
8:36:47
